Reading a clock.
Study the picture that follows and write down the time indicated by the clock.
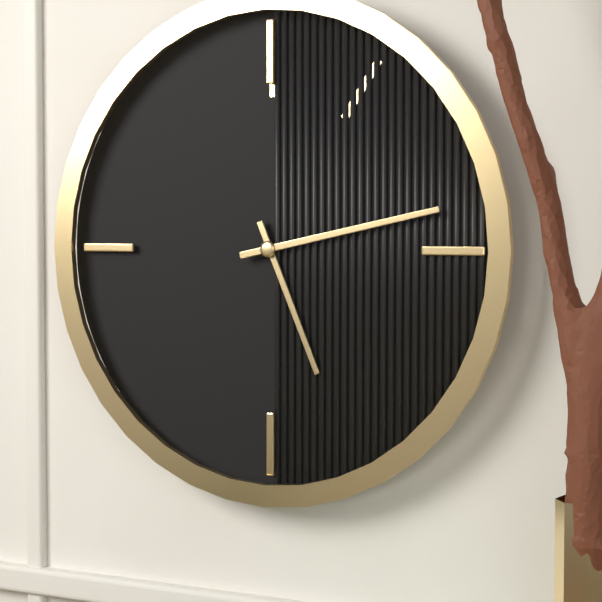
5:13
